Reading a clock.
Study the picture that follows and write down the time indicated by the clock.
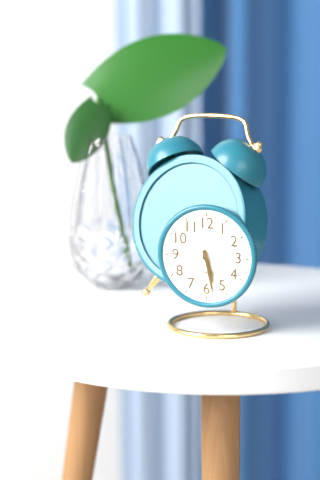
5:28
